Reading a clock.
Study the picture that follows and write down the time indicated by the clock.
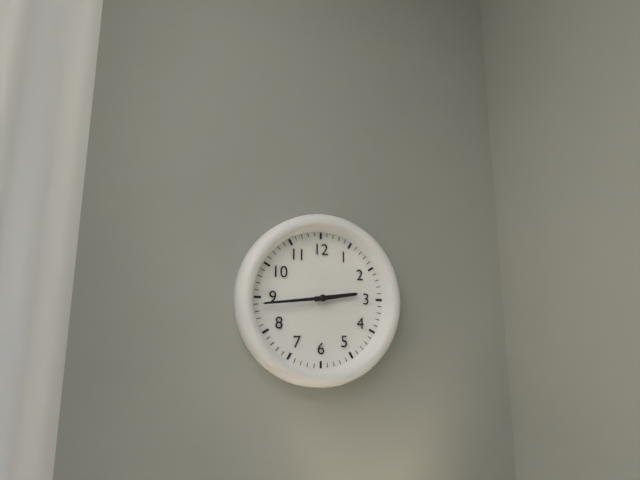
2:44
